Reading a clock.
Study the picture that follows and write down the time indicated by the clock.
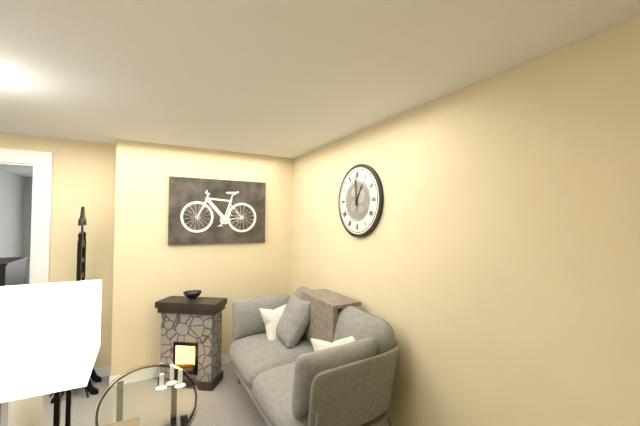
12:59
